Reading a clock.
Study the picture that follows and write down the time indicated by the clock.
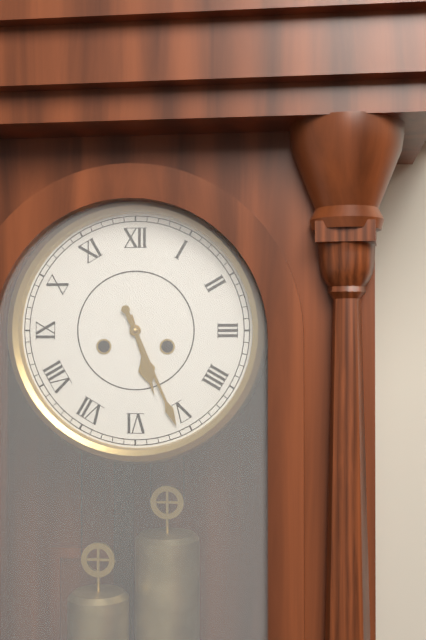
5:26
